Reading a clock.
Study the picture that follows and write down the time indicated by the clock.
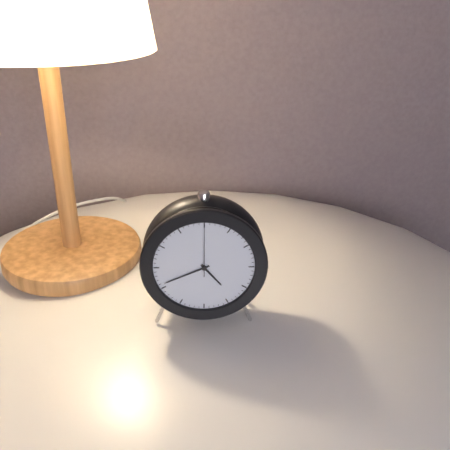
4:41:00
